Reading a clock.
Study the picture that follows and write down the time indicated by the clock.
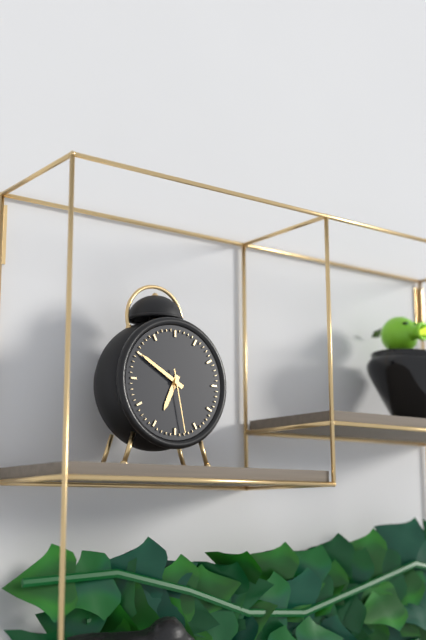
6:50:28
